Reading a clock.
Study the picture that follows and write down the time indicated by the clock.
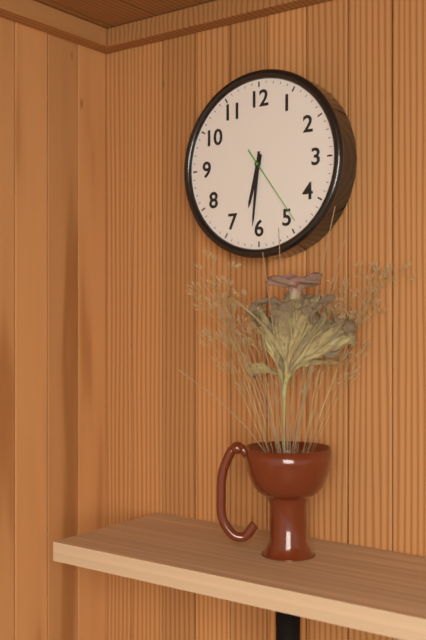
6:31:24
